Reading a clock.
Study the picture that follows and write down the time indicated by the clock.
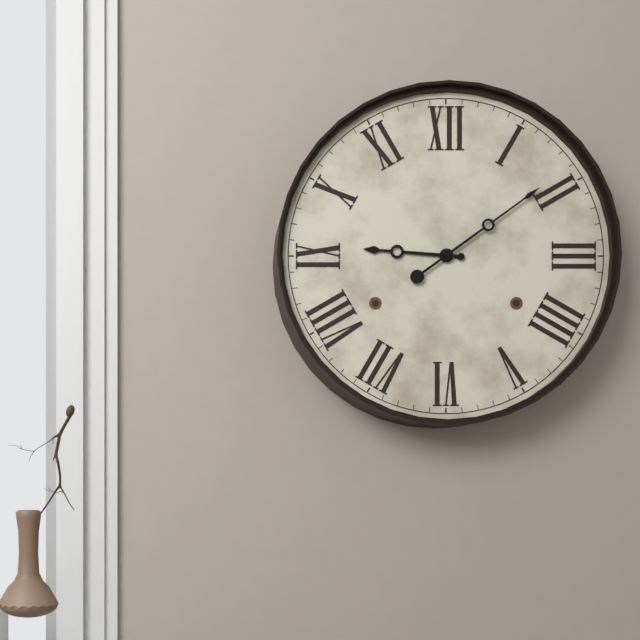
9:09
